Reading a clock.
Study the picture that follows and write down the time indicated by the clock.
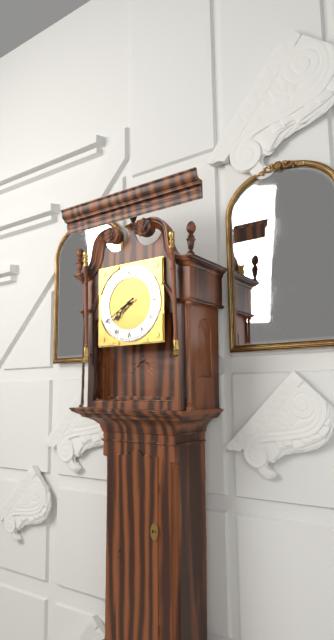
7:40
